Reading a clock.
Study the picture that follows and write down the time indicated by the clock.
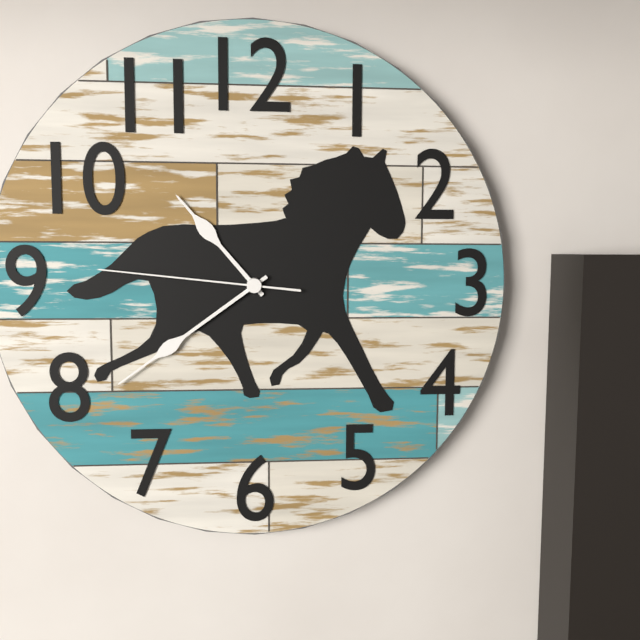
10:39:46
